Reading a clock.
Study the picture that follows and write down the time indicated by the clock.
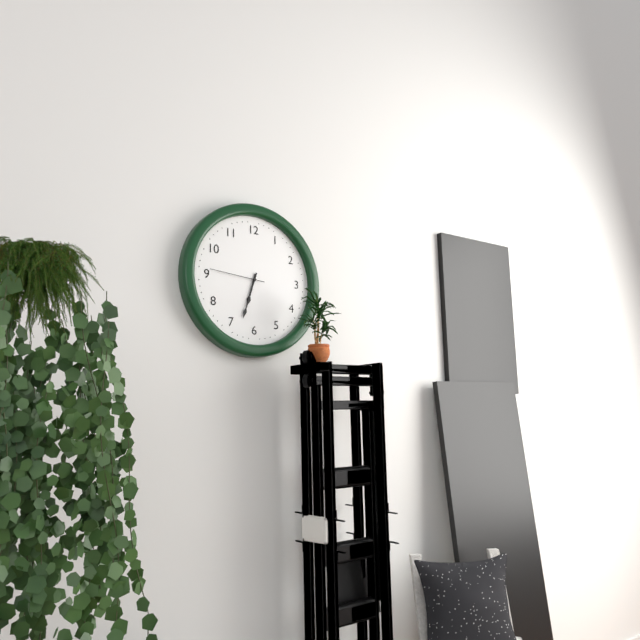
6:33:46
